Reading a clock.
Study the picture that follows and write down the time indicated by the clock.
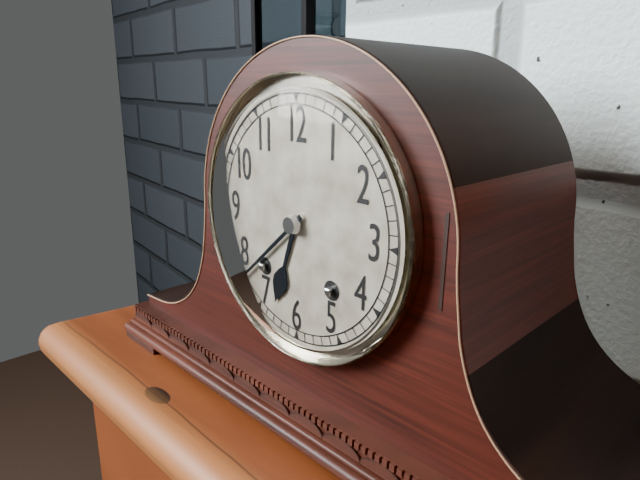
6:38
